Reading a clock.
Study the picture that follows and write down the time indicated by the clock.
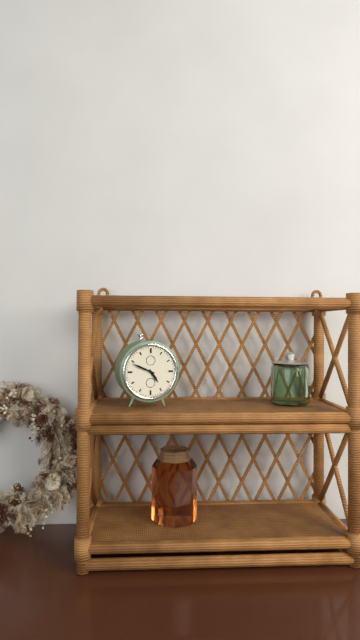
4:49
